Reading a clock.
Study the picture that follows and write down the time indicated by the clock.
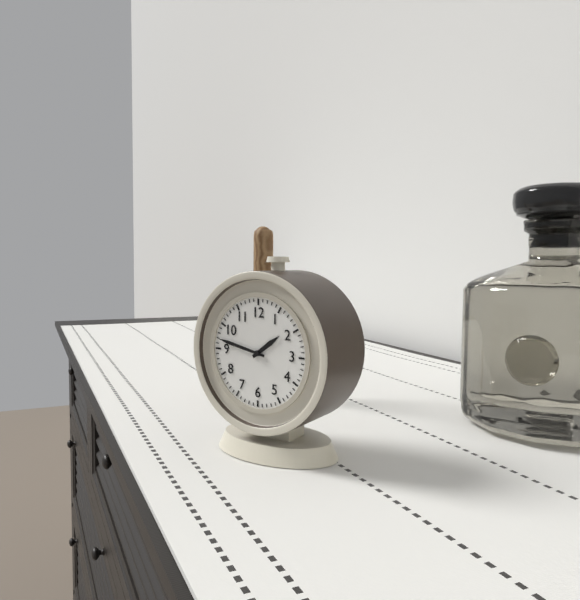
1:47
